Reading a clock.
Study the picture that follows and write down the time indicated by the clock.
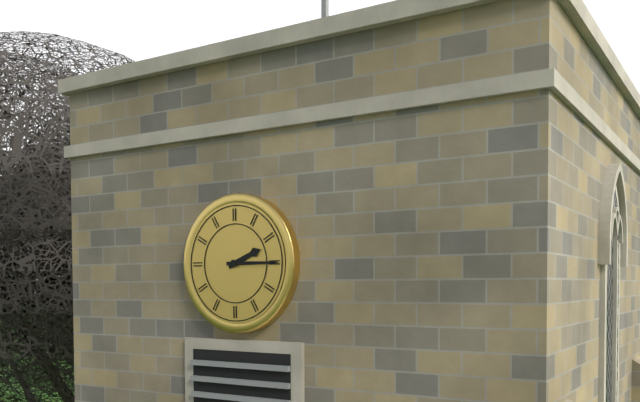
2:15
